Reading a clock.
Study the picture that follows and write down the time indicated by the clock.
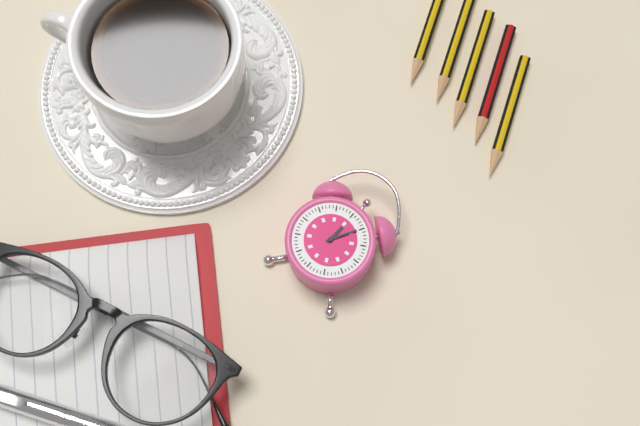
12:05
